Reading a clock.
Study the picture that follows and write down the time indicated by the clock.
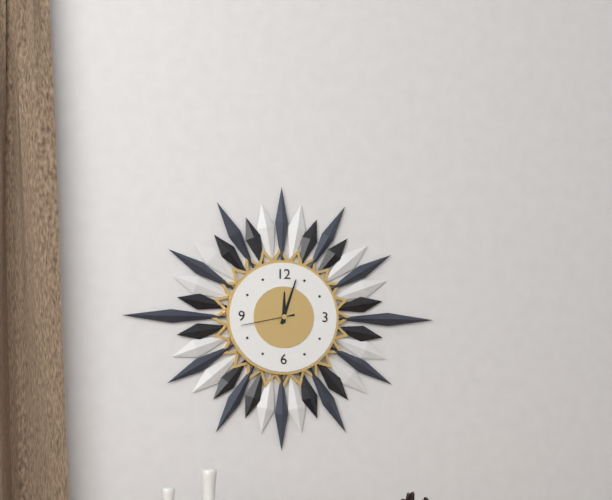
12:03:43
